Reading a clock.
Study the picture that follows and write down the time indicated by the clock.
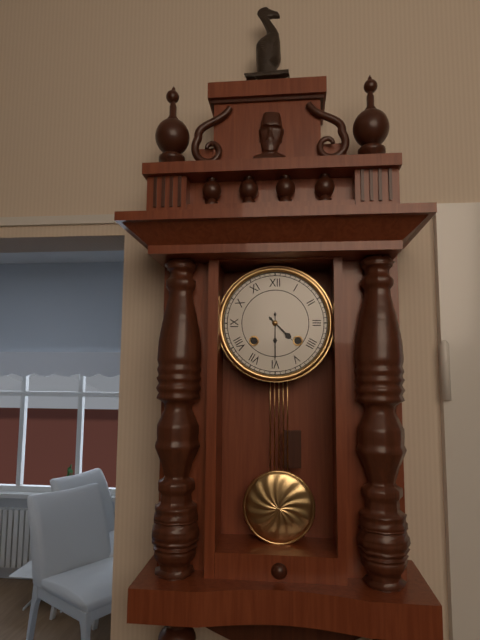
4:30
